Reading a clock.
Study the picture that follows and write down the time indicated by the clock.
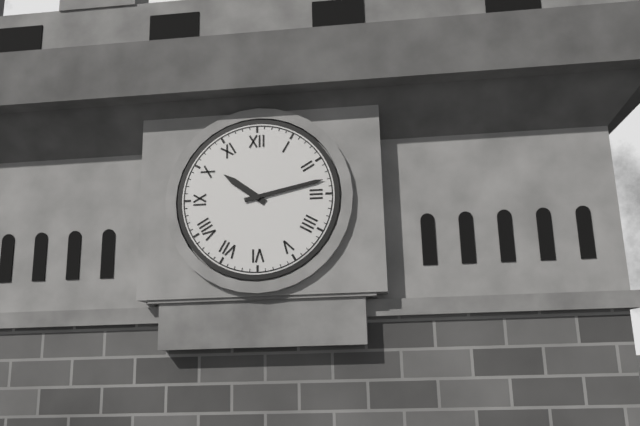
10:13
